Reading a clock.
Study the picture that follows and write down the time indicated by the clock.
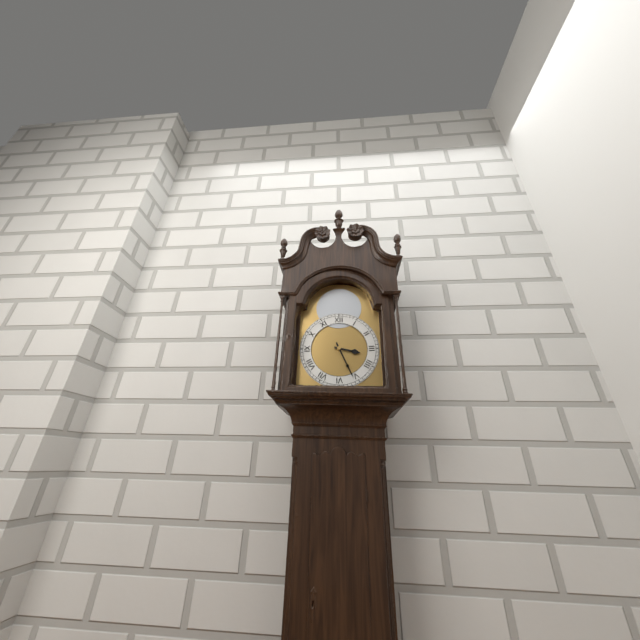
3:26
